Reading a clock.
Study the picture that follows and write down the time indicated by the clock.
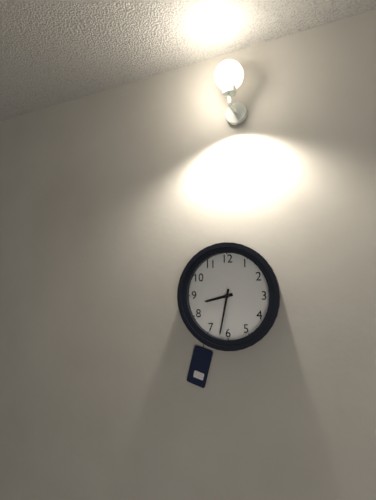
8:32
